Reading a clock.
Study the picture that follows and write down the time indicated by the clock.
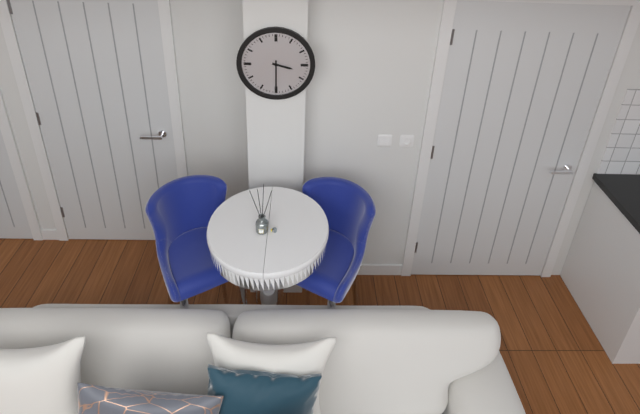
3:30
